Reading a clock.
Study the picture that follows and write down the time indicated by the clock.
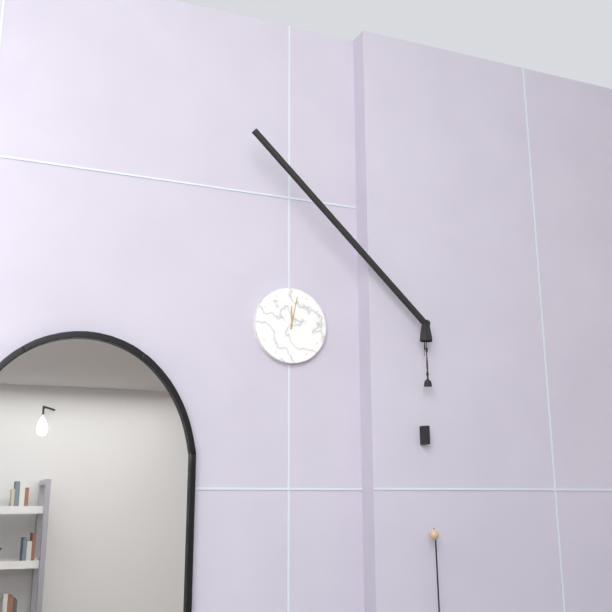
12:02
